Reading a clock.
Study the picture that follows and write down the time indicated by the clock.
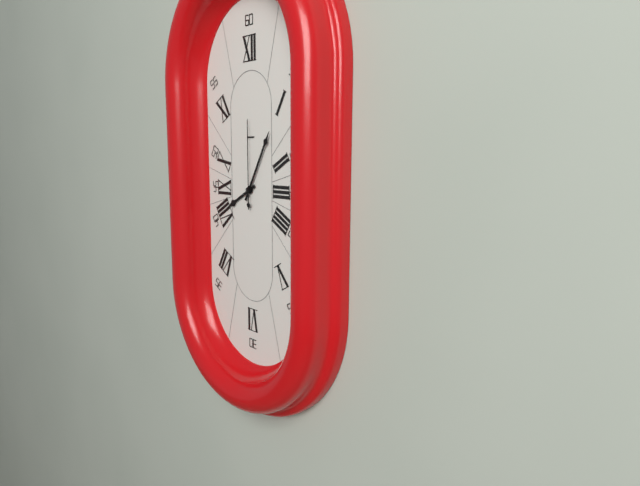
8:05:00
